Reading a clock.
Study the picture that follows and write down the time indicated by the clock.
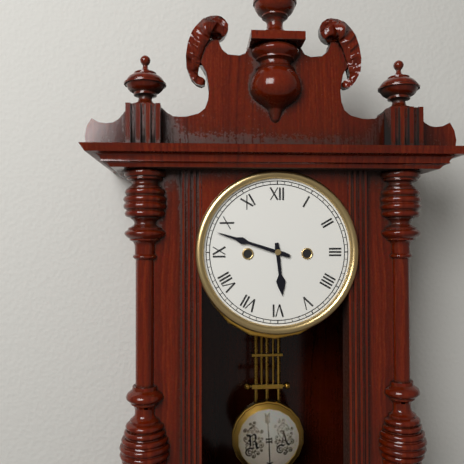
5:48
